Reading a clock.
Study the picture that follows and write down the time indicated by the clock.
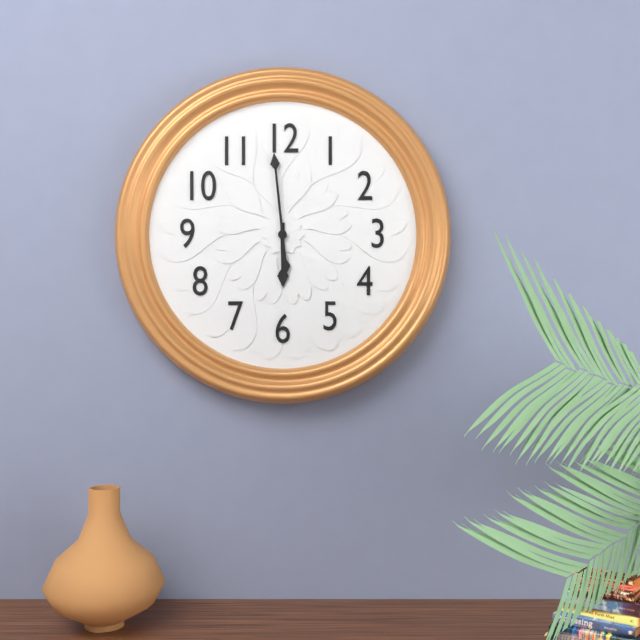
5:59
